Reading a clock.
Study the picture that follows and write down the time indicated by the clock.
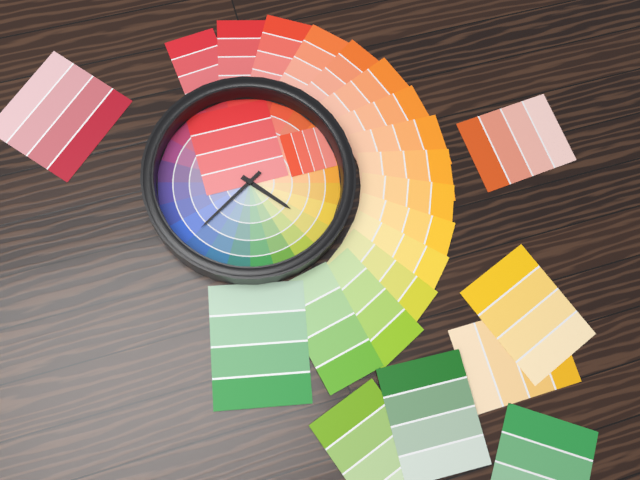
4:40
